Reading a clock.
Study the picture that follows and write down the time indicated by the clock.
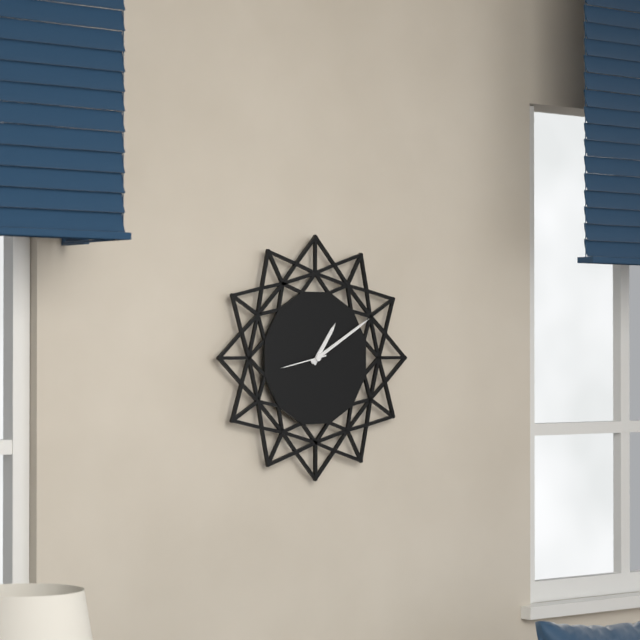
1:10
